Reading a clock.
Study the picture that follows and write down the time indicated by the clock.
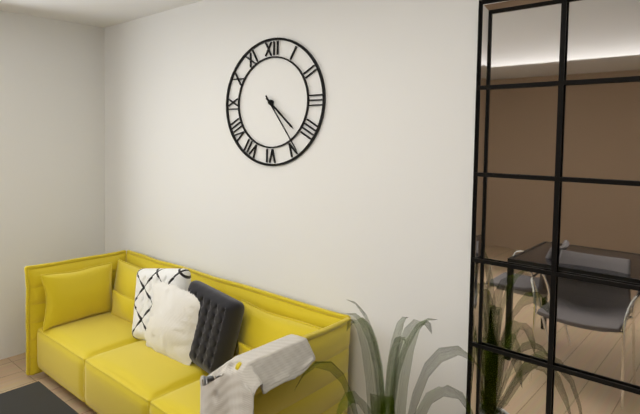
4:24
